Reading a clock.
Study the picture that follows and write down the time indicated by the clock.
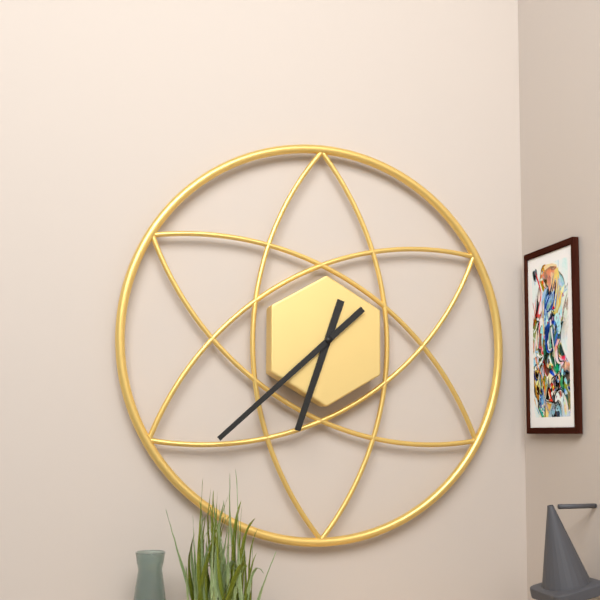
6:38
